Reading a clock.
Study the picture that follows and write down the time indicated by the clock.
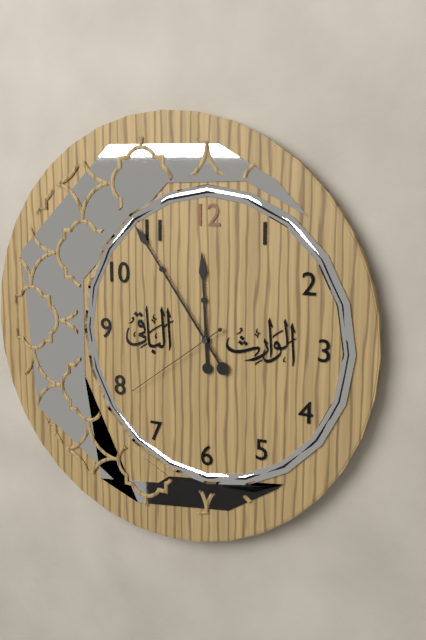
11:54:39
